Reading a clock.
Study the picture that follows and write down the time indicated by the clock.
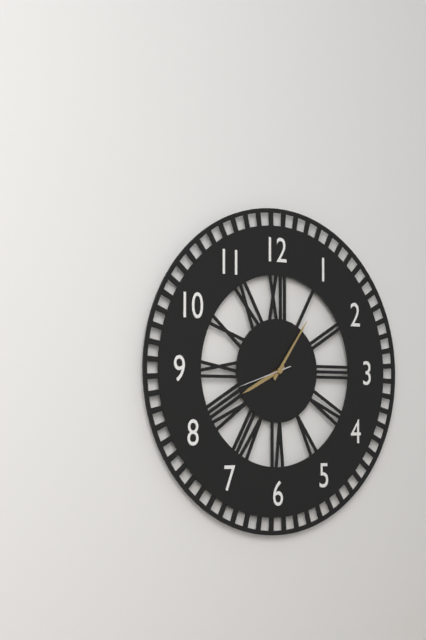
8:06:42
